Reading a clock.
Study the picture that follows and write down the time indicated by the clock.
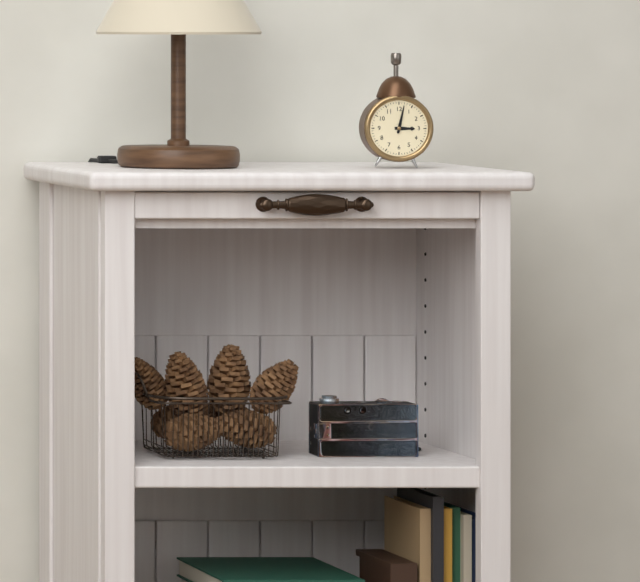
3:02
